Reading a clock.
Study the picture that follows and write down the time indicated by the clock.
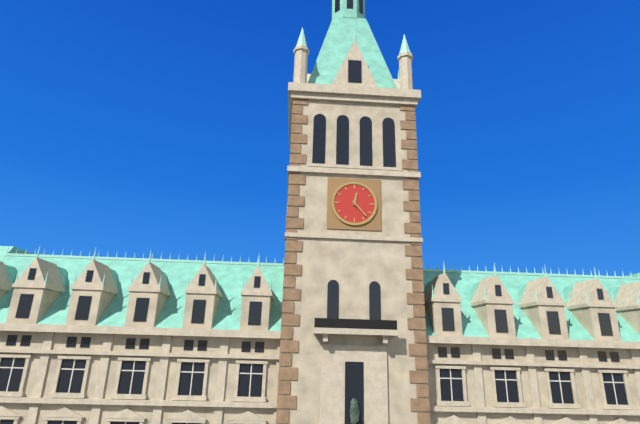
12:23
